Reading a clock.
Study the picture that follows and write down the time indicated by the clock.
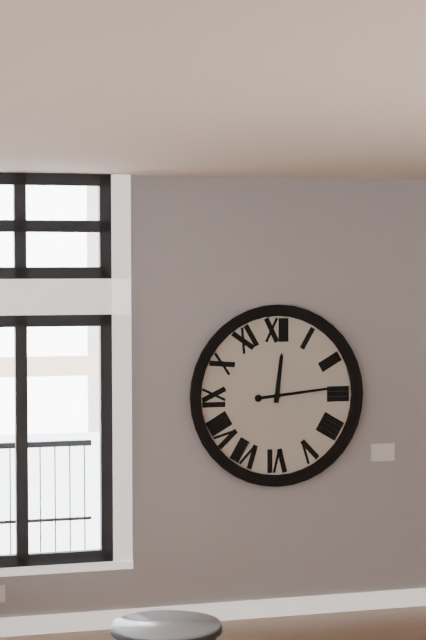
12:14
